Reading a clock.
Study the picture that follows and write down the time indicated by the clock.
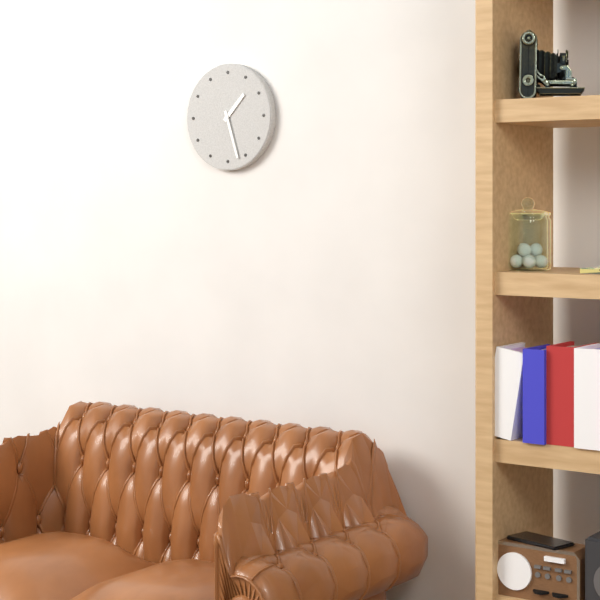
1:27
